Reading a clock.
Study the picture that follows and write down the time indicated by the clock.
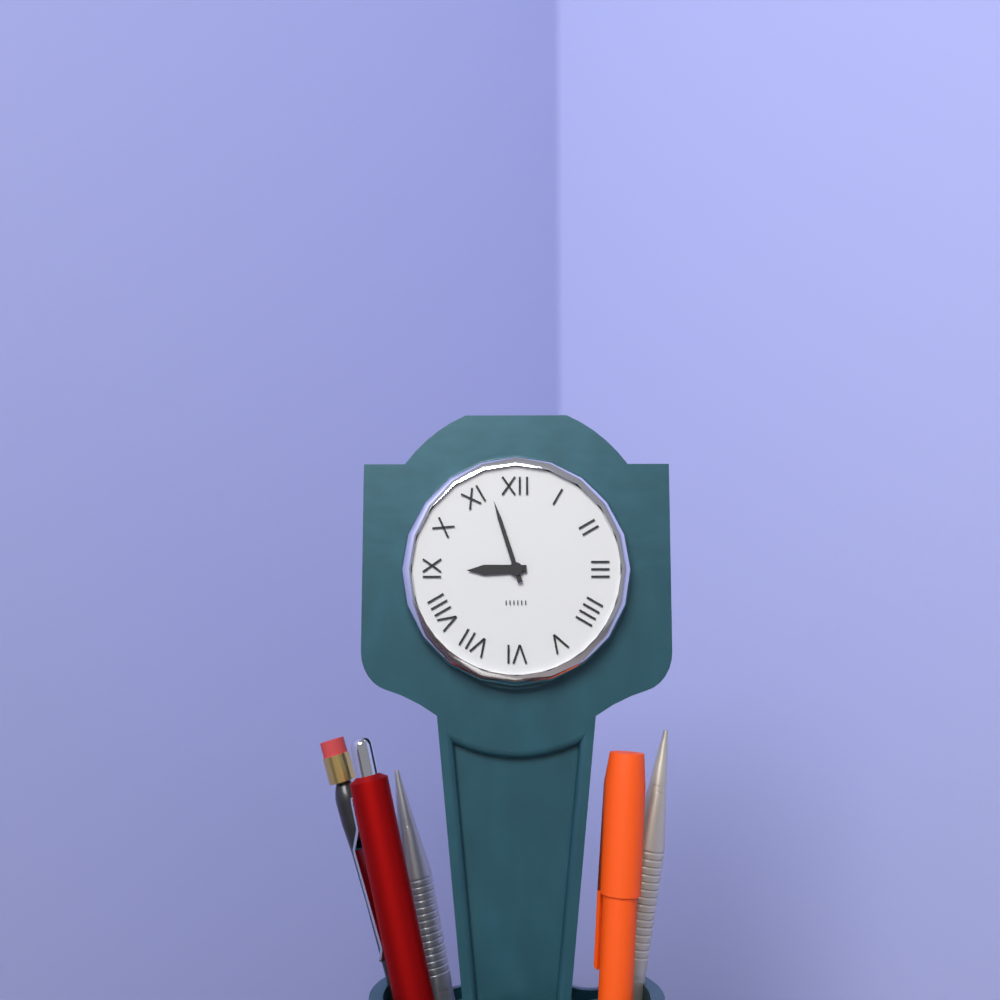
8:57
